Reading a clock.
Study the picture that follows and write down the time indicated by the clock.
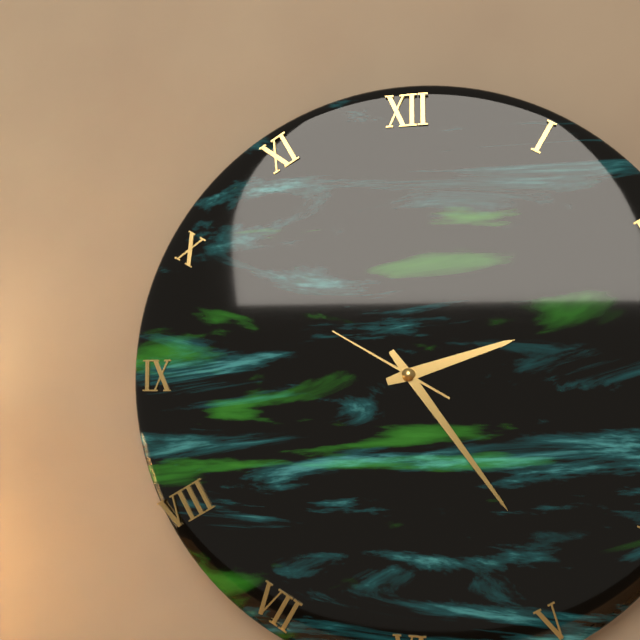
2:24:50
